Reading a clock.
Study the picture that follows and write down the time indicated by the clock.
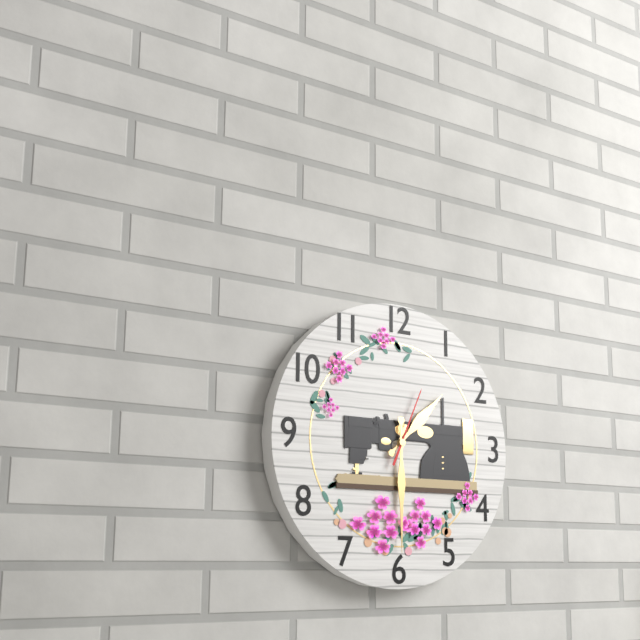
1:30:04
